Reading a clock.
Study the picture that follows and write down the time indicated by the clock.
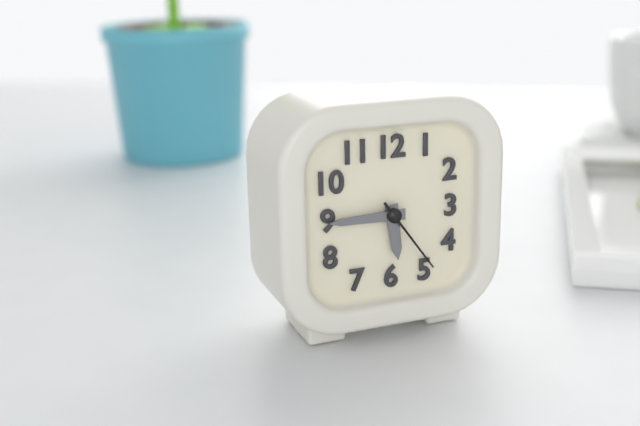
5:45:24
